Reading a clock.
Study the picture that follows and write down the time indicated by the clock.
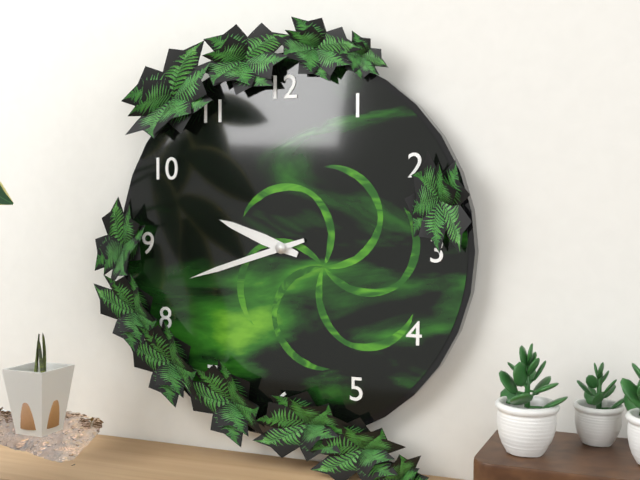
9:42
